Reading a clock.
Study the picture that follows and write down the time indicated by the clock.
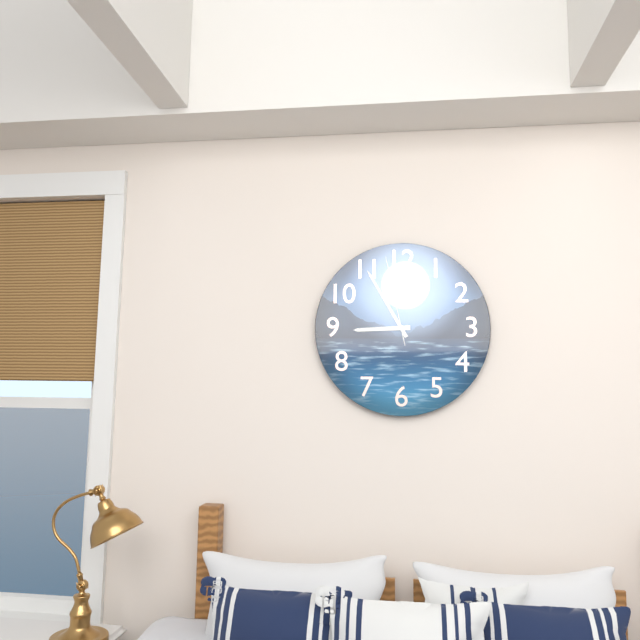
8:55:58
